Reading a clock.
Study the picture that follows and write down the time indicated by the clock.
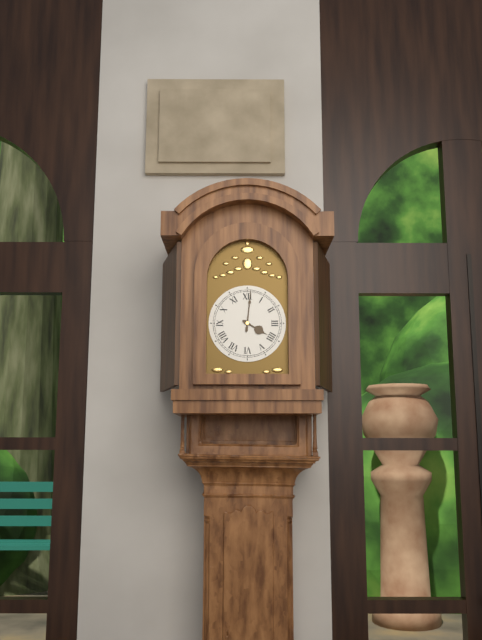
4:01
